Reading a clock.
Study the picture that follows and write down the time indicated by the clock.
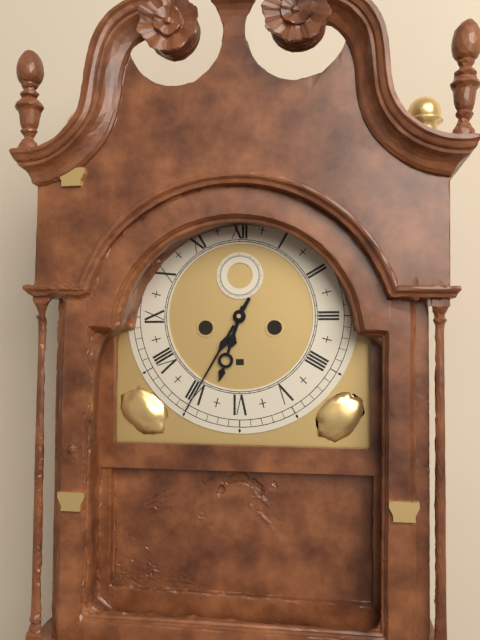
6:35
